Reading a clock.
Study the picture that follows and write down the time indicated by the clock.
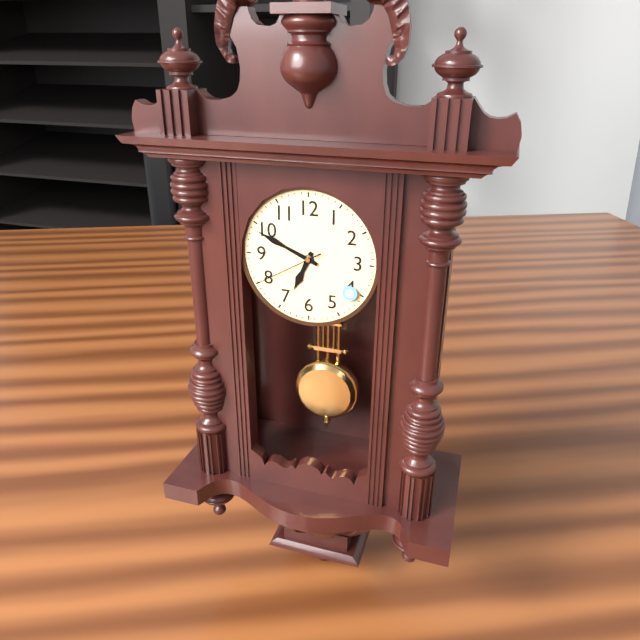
6:49:40
